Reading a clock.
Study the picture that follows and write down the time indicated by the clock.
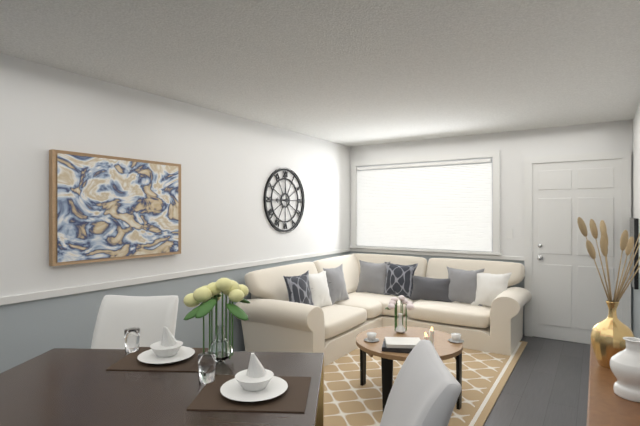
8:59
